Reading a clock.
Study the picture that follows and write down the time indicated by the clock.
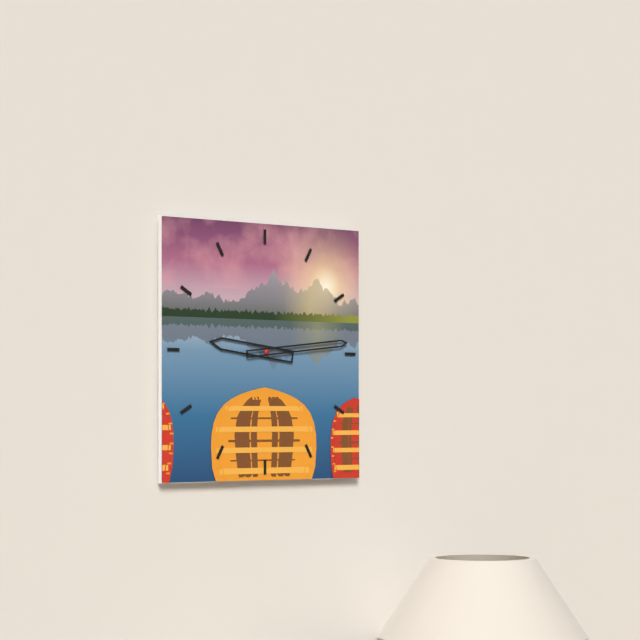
9:14
